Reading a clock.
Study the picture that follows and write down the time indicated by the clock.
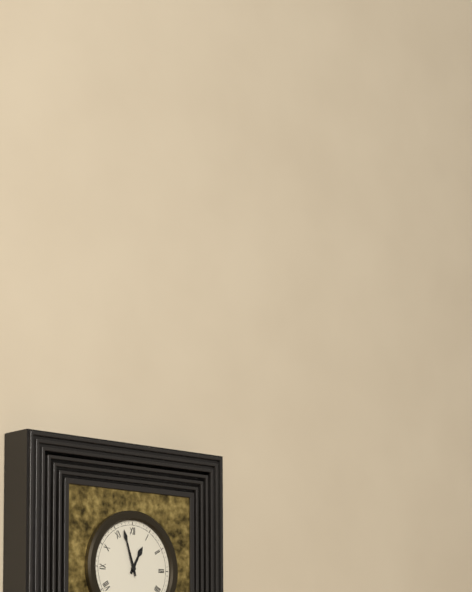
12:57
